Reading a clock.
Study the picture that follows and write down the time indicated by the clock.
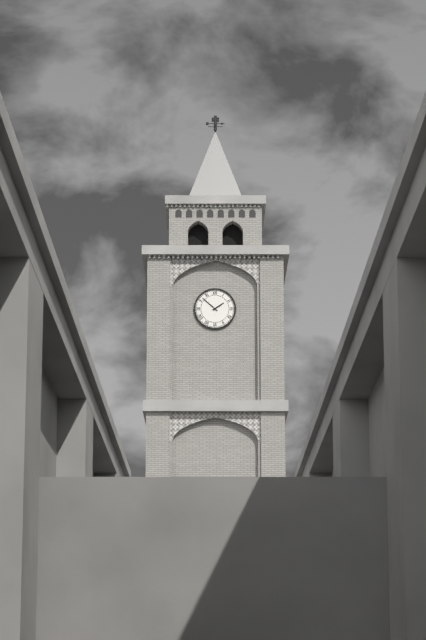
1:52
